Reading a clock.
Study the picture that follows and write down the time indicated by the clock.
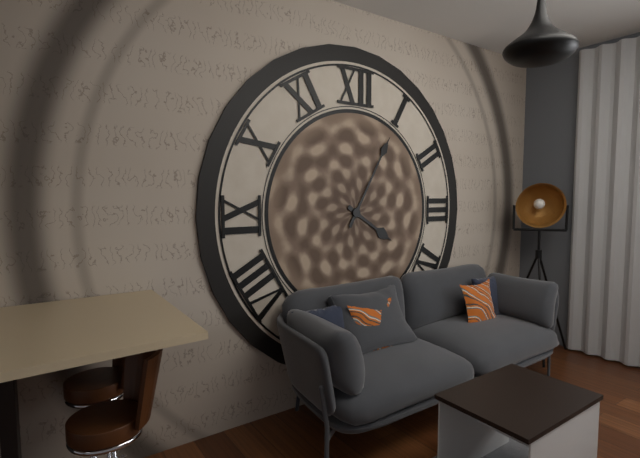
4:05
